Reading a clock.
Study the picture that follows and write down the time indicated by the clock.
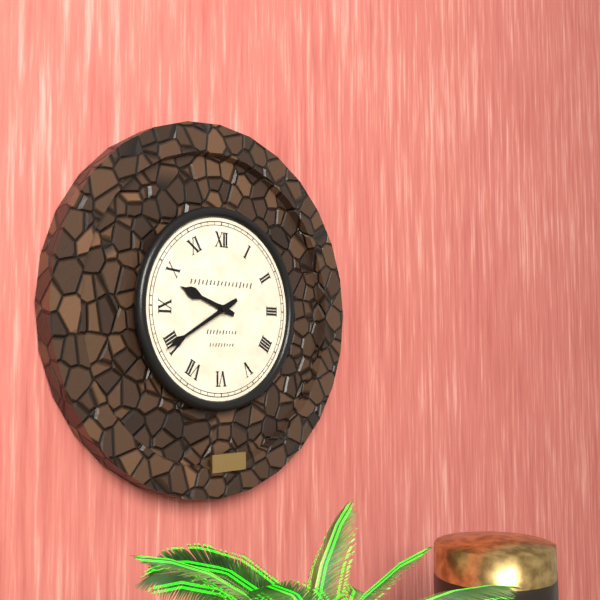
9:40
